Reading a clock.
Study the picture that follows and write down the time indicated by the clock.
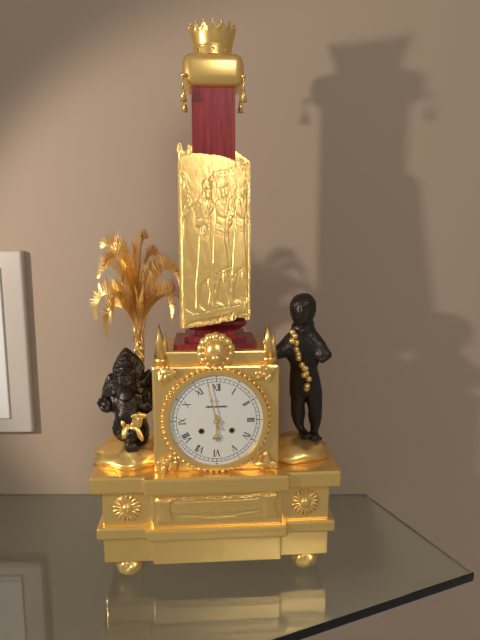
5:58
